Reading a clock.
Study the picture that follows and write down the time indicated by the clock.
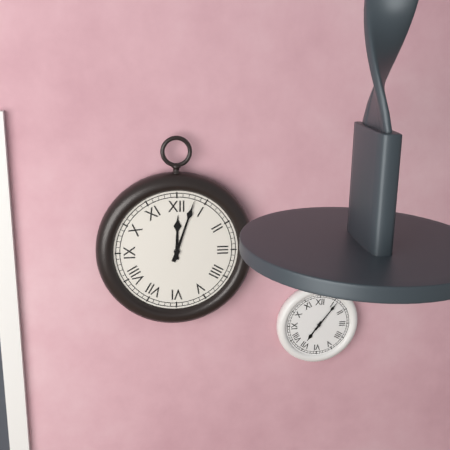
12:03
